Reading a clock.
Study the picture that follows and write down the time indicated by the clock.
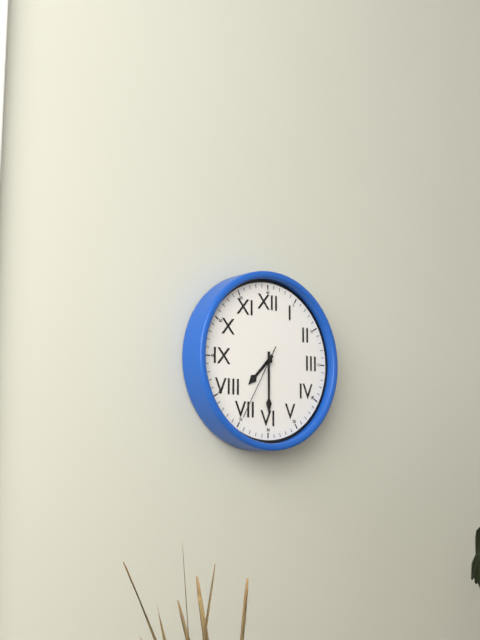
7:30:35
